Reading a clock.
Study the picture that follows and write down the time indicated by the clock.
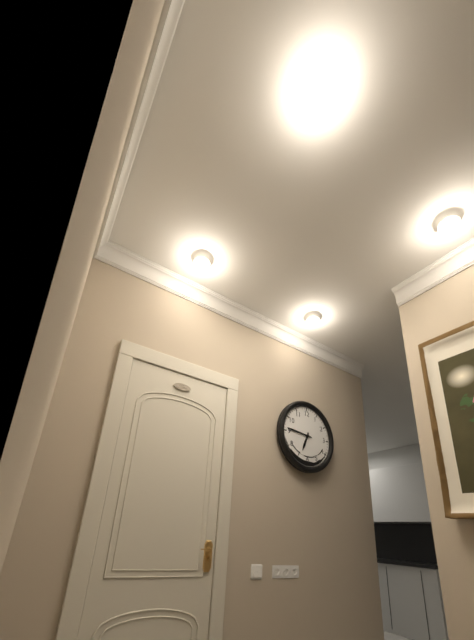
6:46
